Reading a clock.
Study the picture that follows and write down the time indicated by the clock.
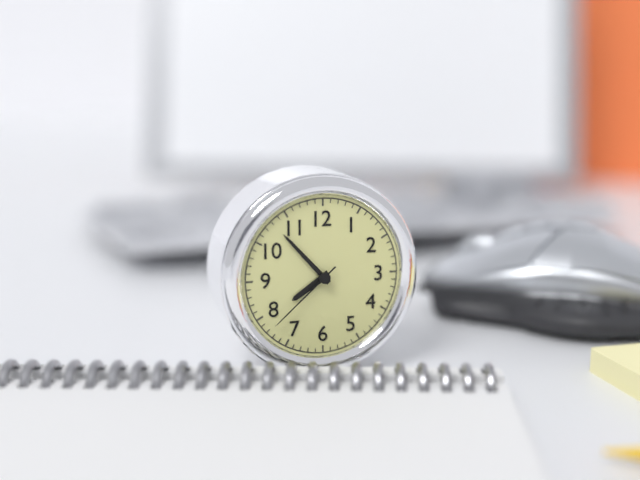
7:53:38
